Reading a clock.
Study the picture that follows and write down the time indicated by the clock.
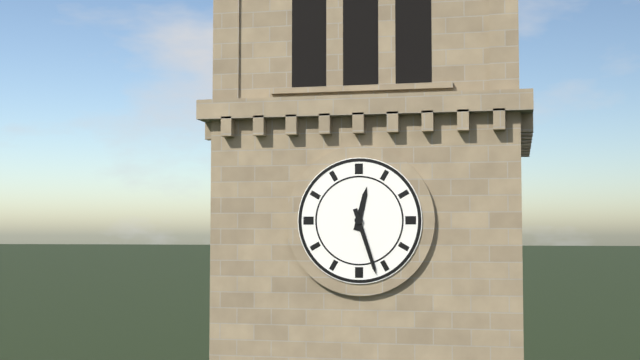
12:27
